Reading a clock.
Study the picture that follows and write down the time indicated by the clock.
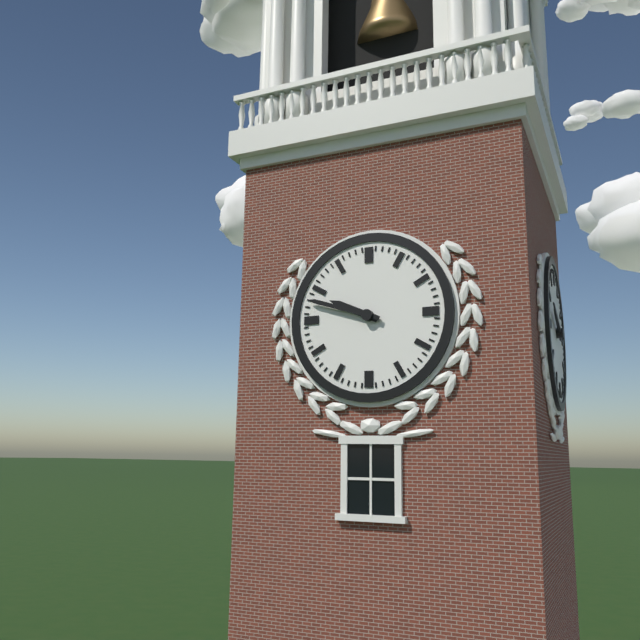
9:48
